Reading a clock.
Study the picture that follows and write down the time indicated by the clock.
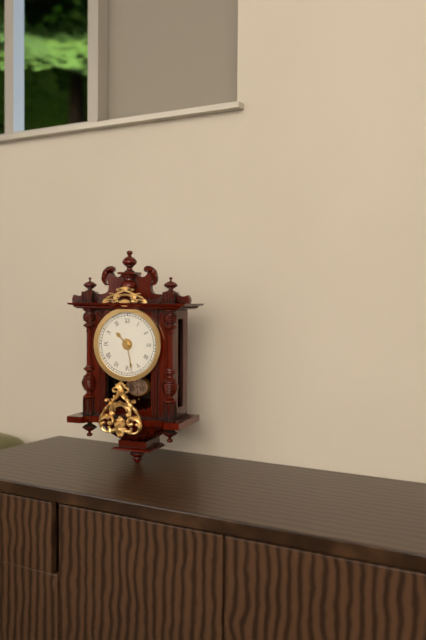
10:28
